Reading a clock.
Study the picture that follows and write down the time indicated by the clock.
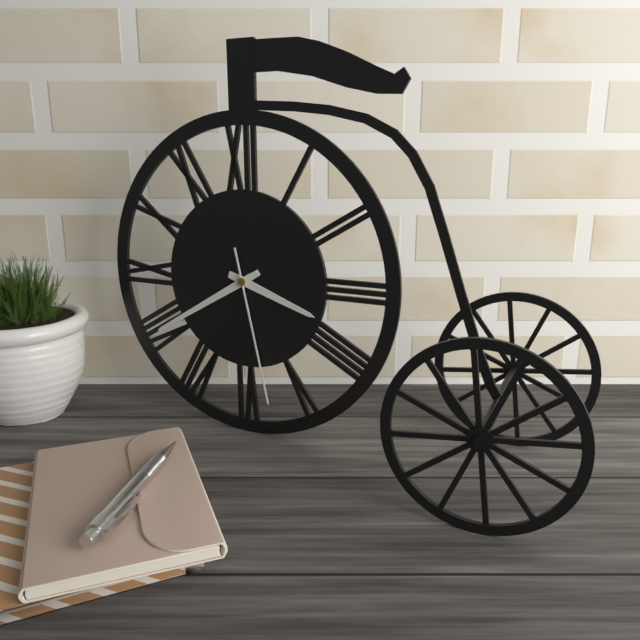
3:40:28
